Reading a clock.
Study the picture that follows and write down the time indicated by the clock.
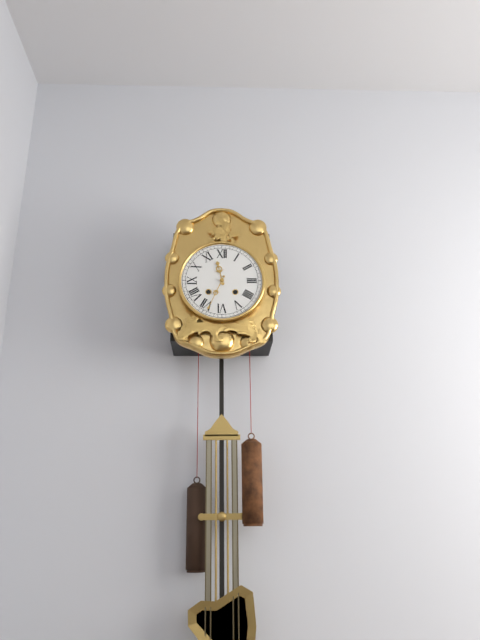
11:34
